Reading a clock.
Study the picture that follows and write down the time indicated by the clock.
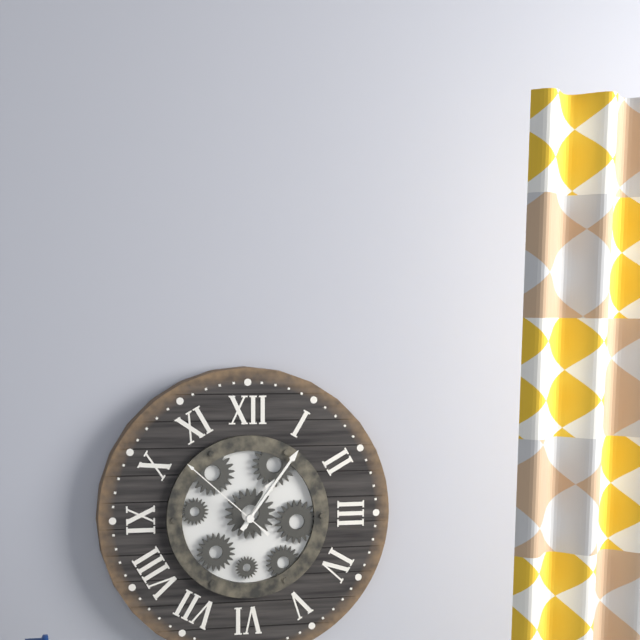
1:06:52
